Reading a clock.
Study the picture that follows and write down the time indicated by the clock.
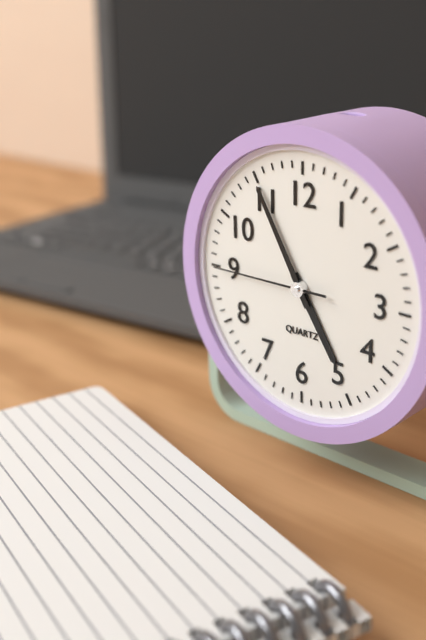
4:55:45
